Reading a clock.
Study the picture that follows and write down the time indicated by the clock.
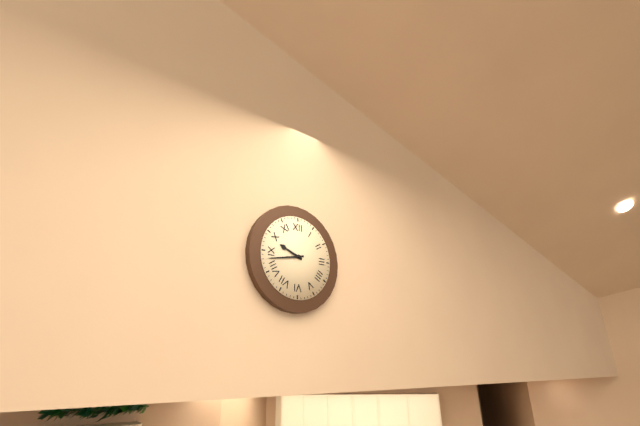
9:43
